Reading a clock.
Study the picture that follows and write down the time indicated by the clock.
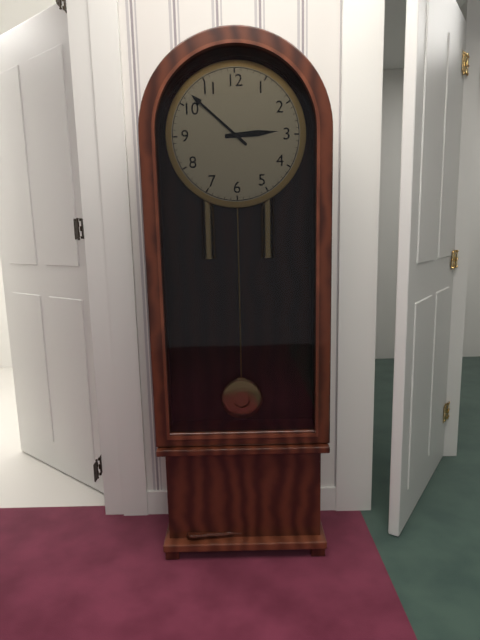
2:52
